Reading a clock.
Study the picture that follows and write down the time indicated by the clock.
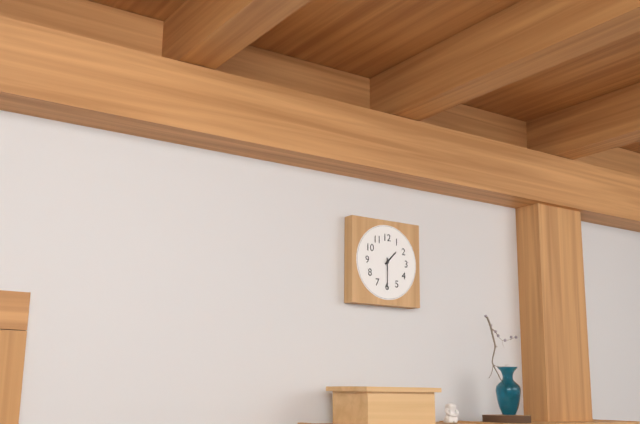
1:30
